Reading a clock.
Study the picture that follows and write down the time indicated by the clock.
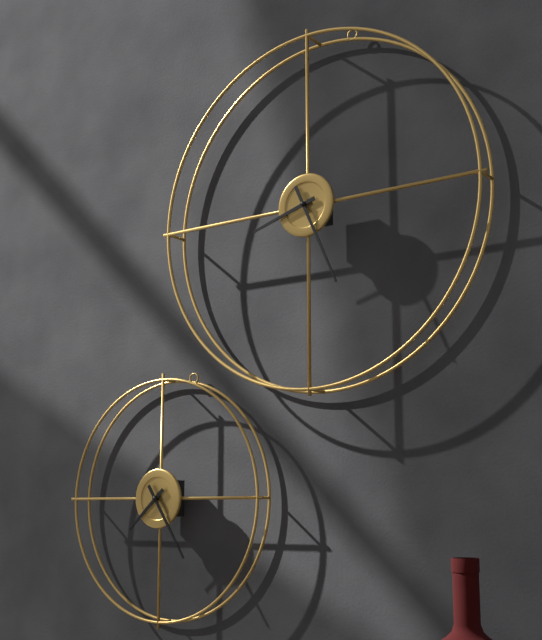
8:26
